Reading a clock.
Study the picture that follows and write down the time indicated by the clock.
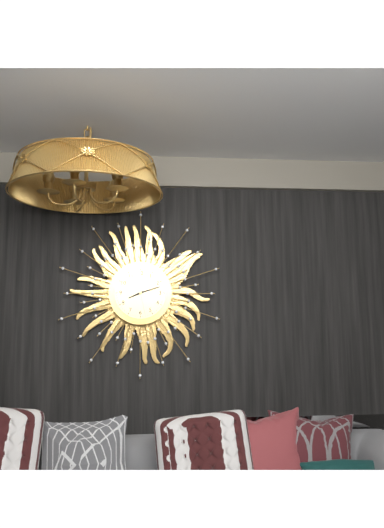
8:12
